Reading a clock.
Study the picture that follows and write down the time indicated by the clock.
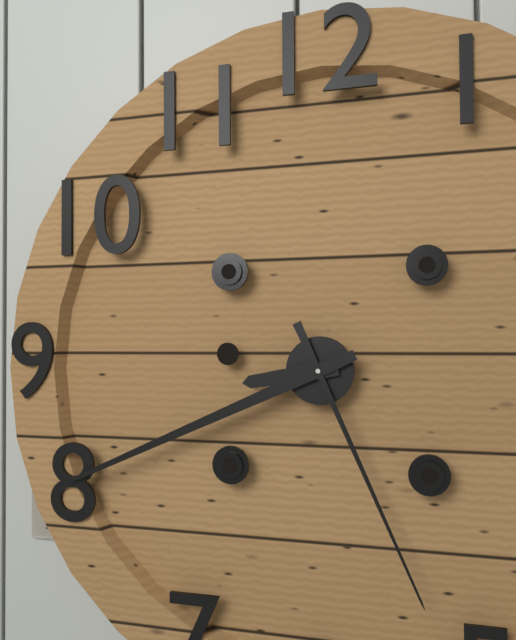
8:41:26
